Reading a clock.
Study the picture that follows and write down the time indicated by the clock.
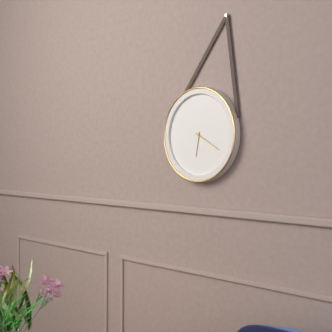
6:20
